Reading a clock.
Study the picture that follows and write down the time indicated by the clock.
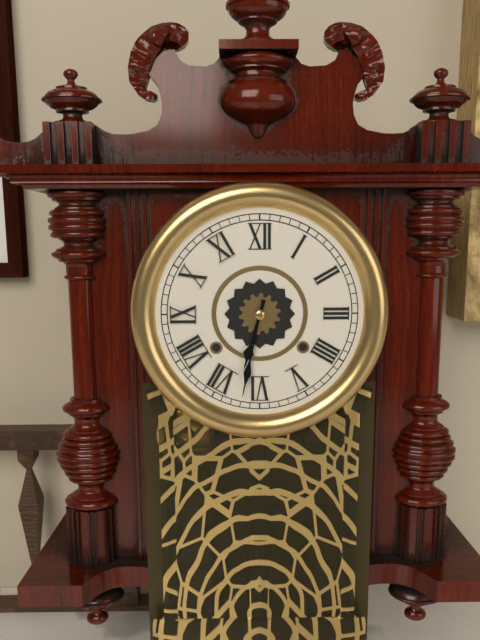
6:32
